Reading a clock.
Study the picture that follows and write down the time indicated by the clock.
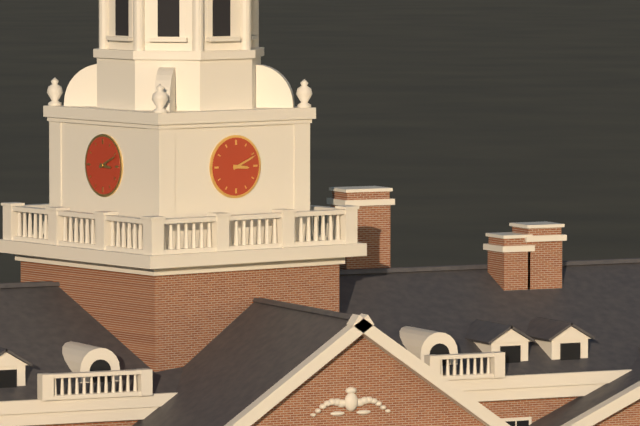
3:11
